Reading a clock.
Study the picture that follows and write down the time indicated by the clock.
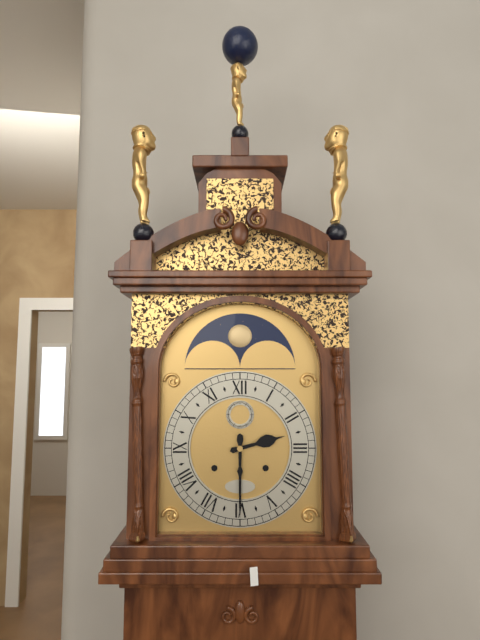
2:30
